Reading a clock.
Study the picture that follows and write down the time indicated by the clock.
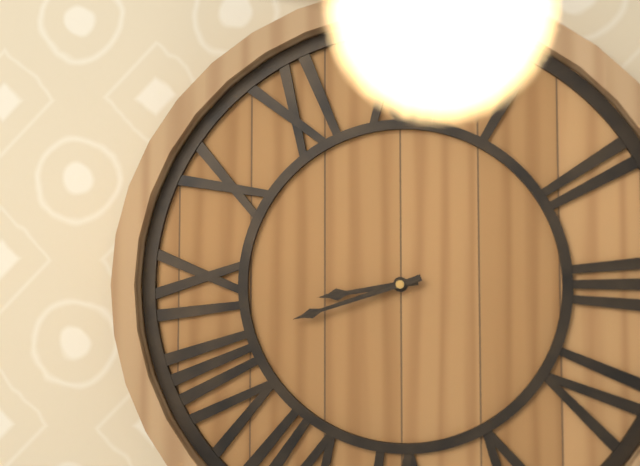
8:42
